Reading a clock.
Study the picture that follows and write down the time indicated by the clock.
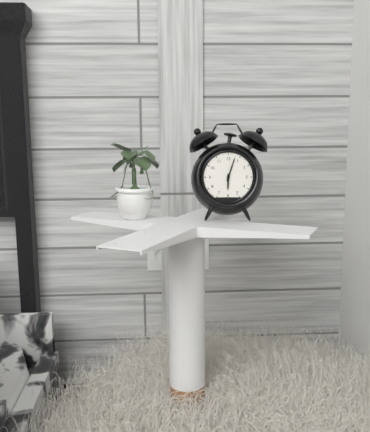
6:03
